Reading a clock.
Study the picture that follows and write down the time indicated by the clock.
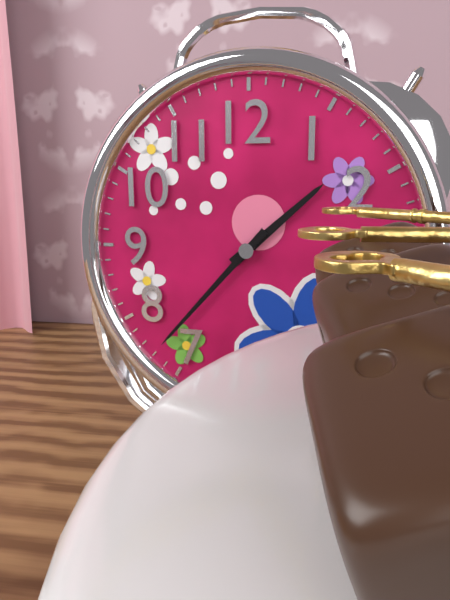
1:37
